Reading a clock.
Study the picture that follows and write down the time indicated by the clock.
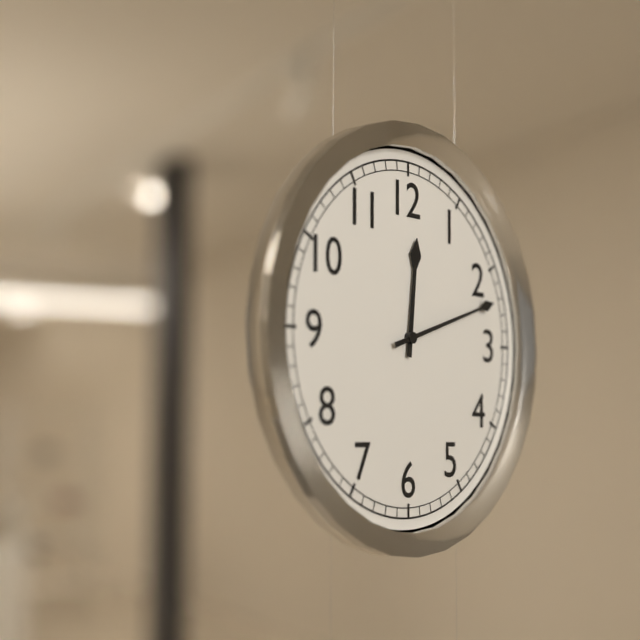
12:12
